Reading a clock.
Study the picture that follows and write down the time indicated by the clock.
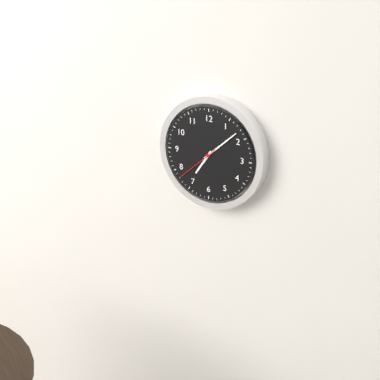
7:08
